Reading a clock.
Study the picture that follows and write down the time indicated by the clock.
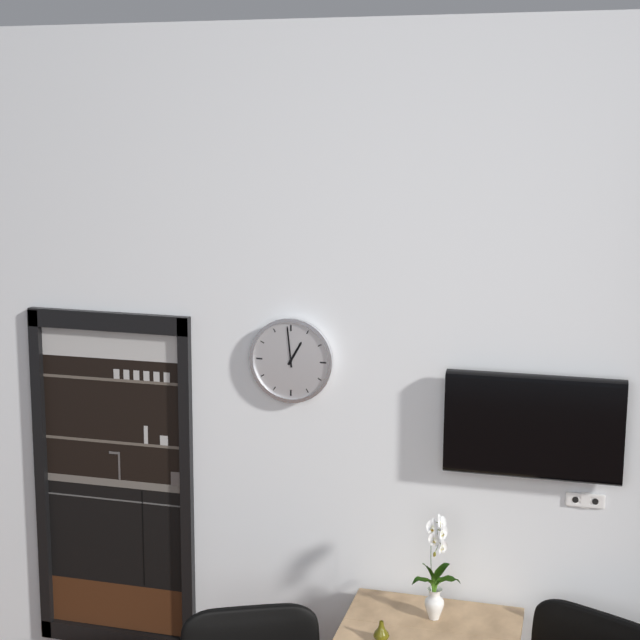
12:59
